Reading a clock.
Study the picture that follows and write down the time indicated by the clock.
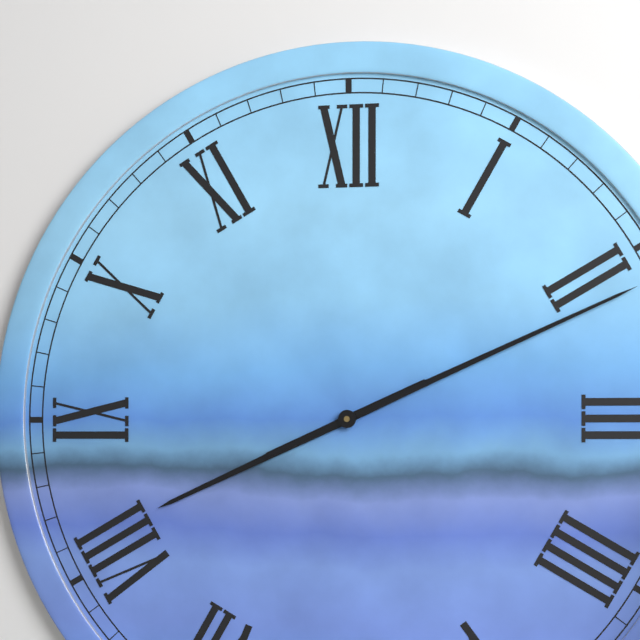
8:11
